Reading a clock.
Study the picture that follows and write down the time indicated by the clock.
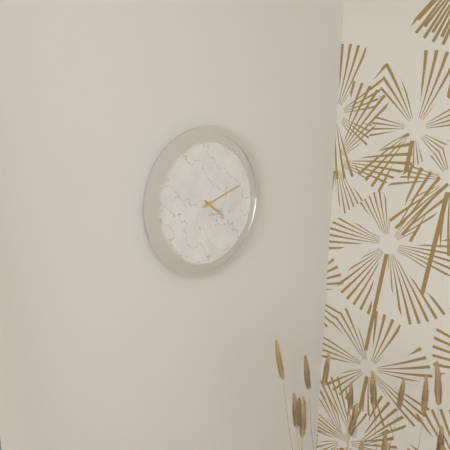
4:12
